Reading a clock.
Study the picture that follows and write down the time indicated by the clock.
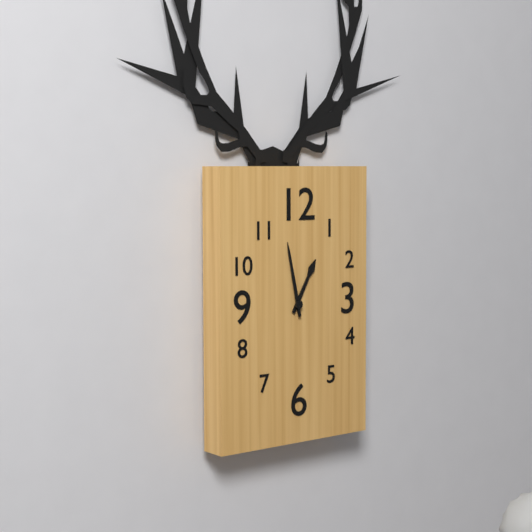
12:58
